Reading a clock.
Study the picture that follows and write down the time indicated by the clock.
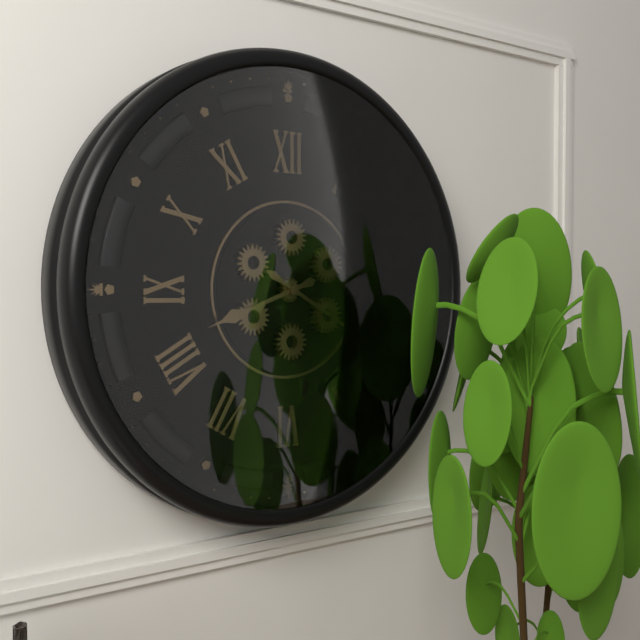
8:20
